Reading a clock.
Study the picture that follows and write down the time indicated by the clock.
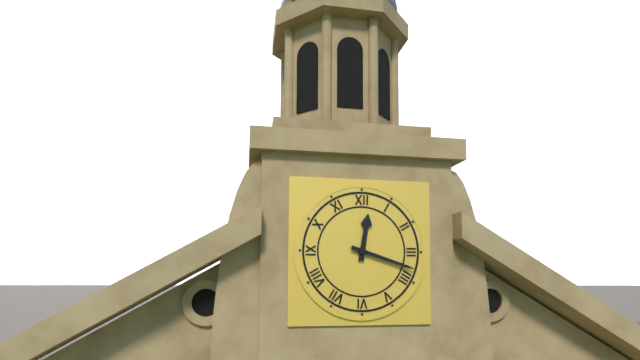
12:18
